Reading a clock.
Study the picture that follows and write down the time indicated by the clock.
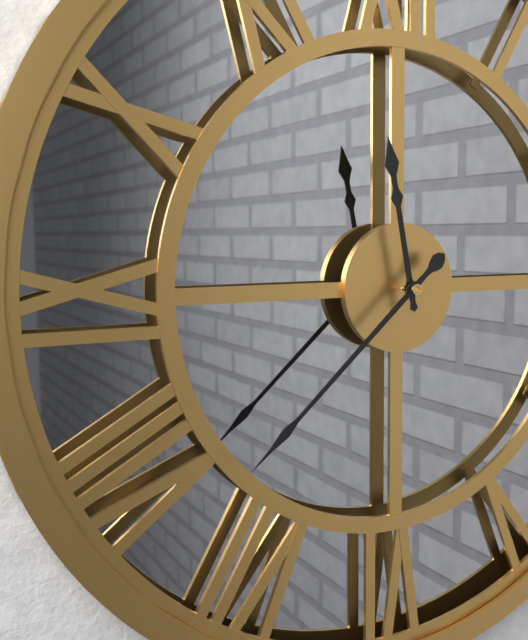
11:38
